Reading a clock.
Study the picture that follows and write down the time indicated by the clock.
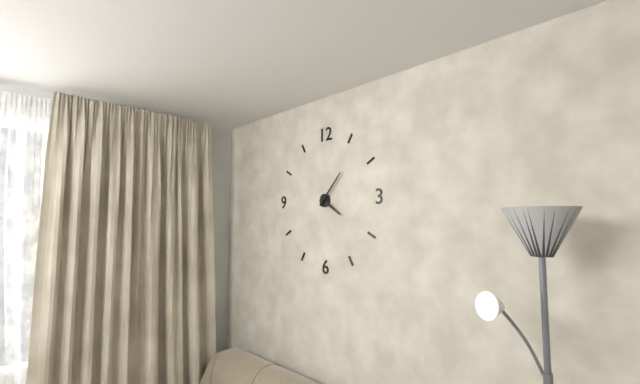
4:07
